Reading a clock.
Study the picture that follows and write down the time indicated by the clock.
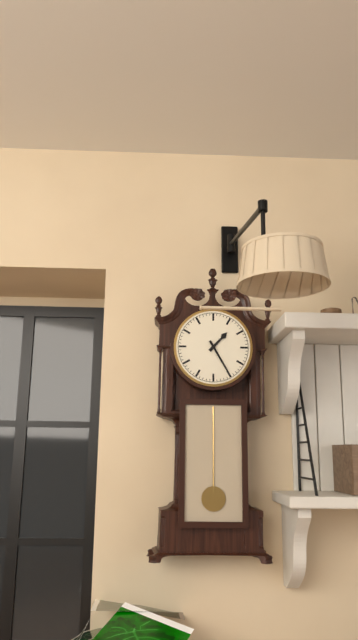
1:25
